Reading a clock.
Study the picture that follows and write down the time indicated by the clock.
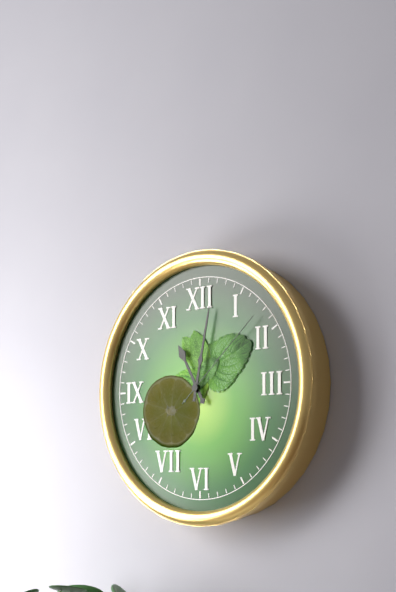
11:02:08
